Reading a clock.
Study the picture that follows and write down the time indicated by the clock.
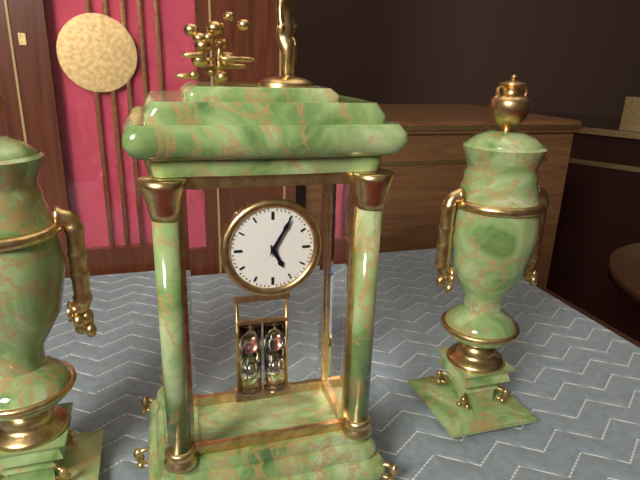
5:05
